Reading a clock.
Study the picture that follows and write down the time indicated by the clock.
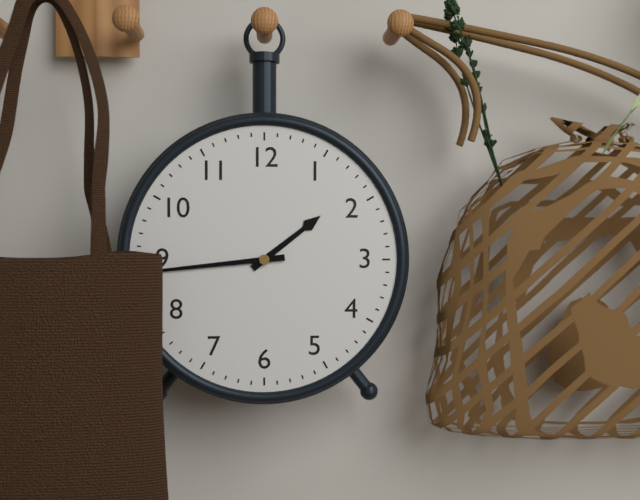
1:44
